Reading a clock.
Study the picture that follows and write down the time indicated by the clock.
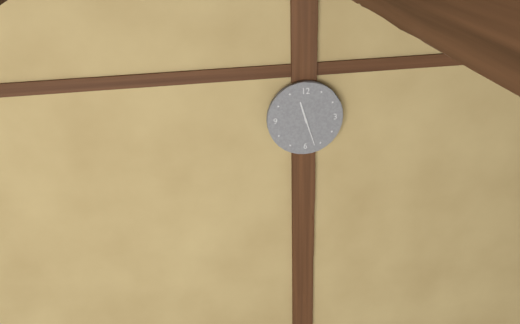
11:27
